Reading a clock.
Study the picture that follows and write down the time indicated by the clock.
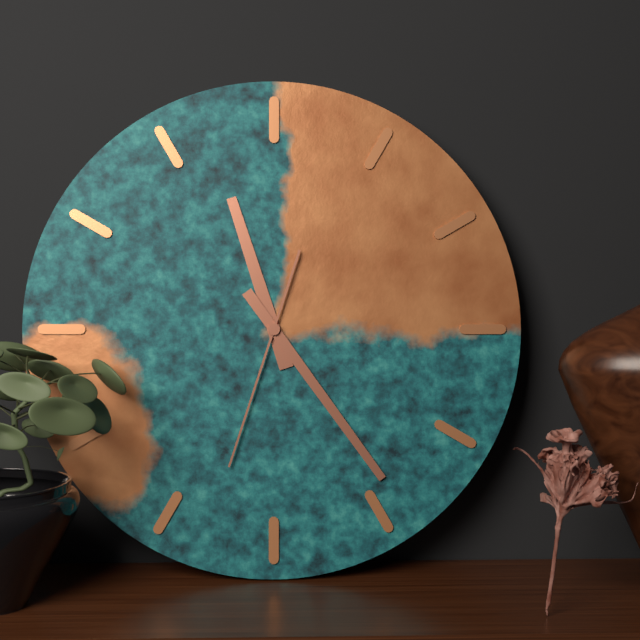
11:24:33
